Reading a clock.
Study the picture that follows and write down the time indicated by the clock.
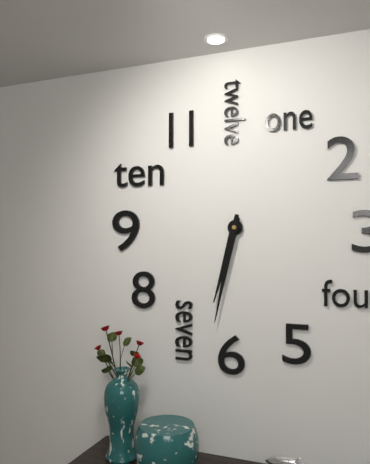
6:32
